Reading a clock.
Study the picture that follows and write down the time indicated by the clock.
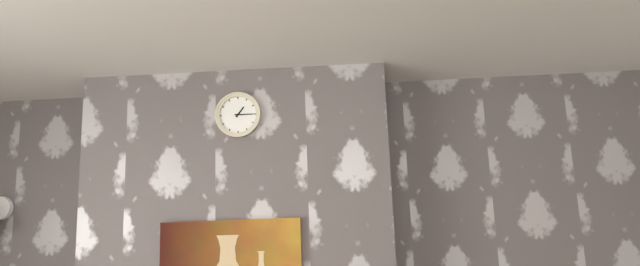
1:15
